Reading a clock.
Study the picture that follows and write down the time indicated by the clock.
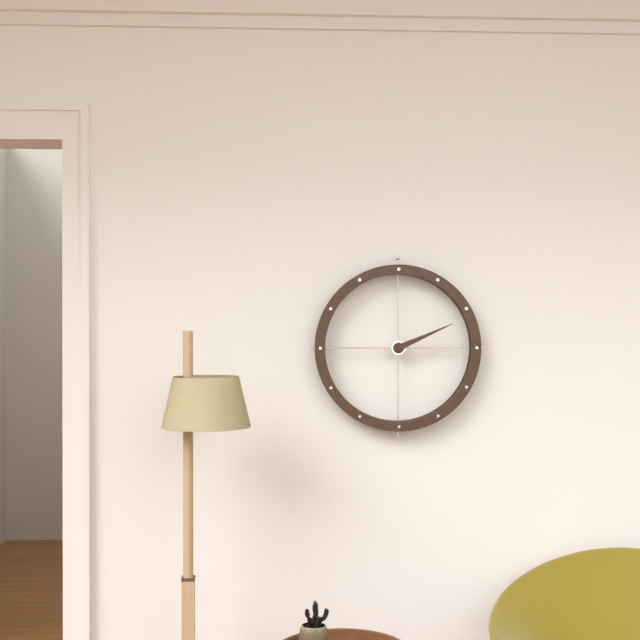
2:11
